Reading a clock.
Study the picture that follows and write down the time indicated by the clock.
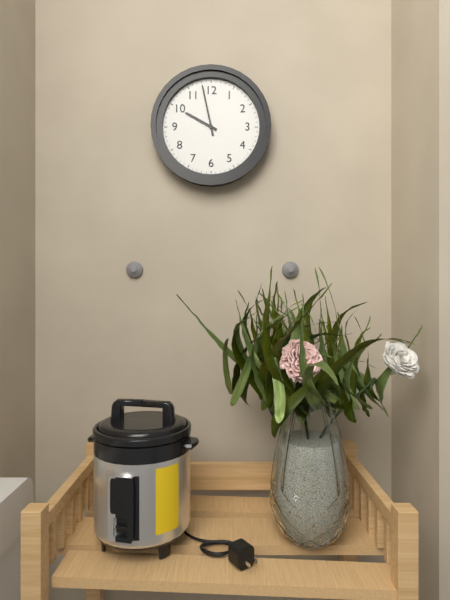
9:58
